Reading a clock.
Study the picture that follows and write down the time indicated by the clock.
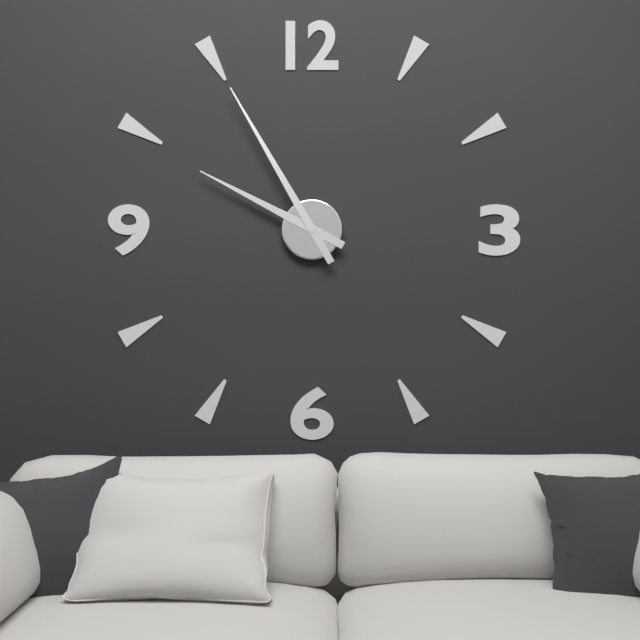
9:55
